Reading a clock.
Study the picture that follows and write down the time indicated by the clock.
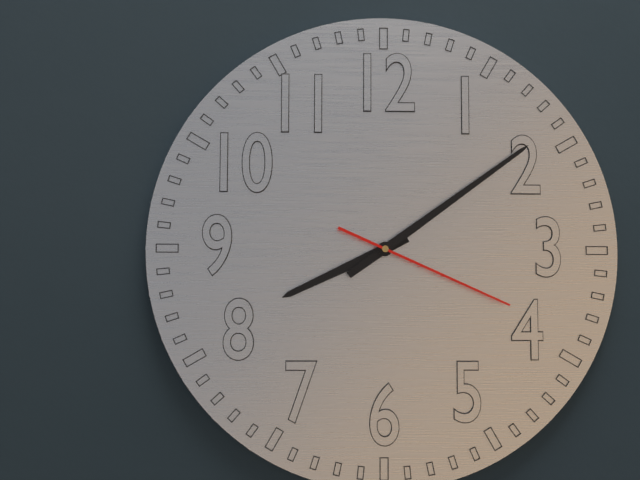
8:09:19
